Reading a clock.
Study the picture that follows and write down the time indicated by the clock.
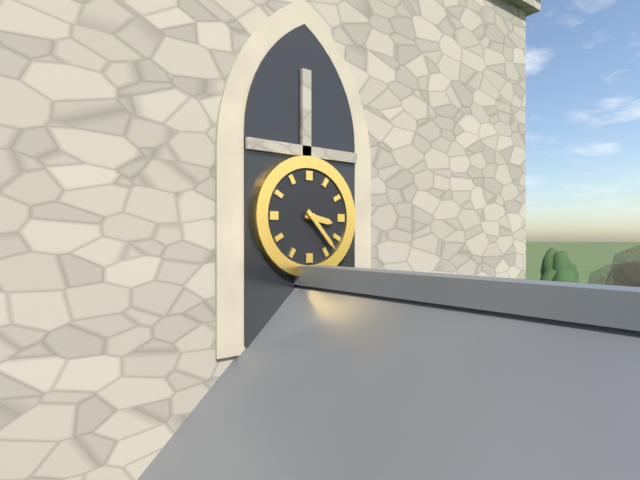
3:23
